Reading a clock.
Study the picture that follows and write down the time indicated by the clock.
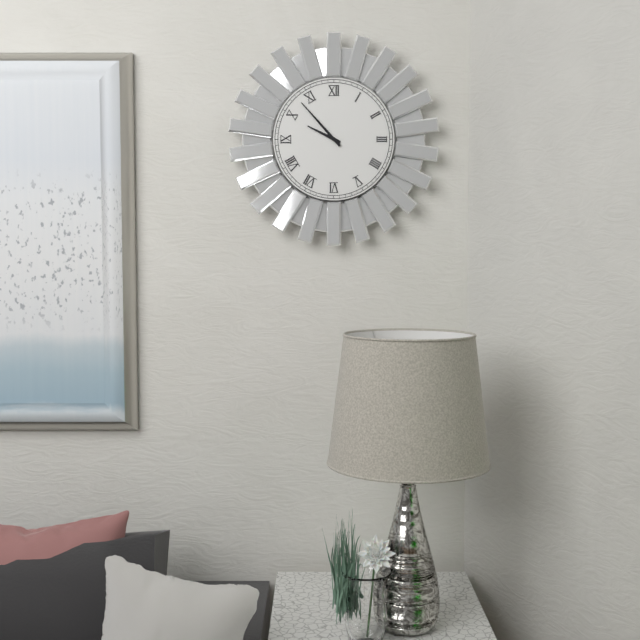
9:53
